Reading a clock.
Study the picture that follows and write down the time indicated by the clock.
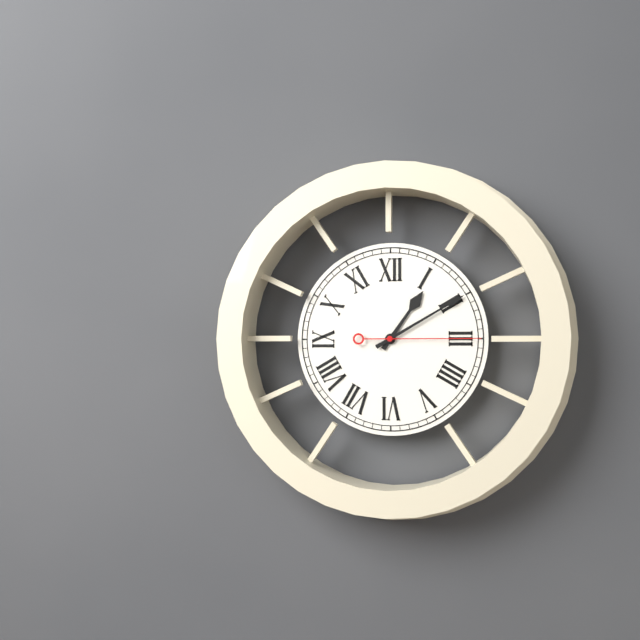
1:10:15
